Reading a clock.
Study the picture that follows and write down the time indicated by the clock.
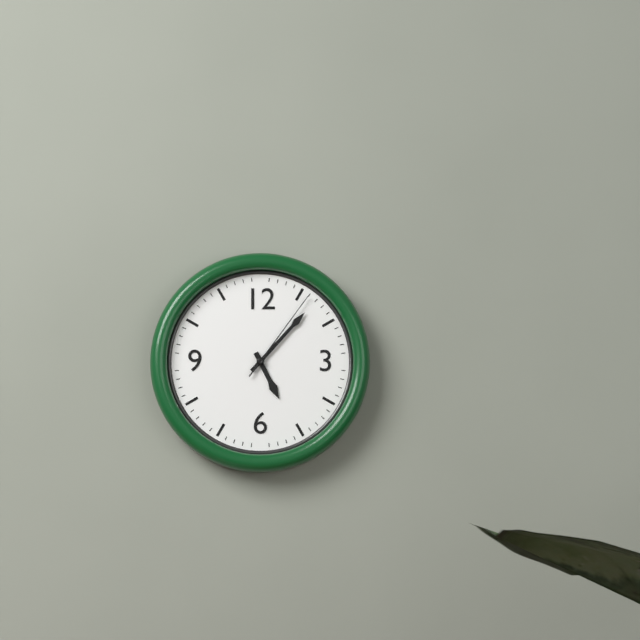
5:07:06
